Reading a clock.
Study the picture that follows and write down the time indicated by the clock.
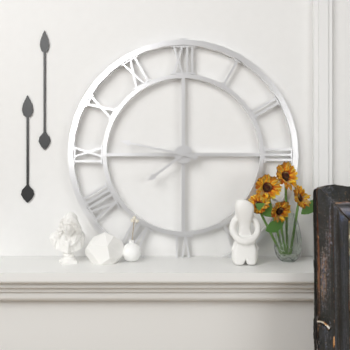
7:47
